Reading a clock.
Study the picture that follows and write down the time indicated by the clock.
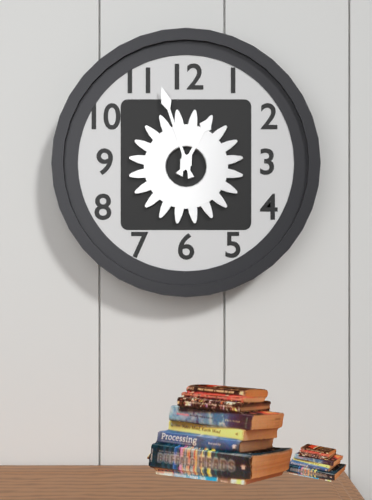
12:57
